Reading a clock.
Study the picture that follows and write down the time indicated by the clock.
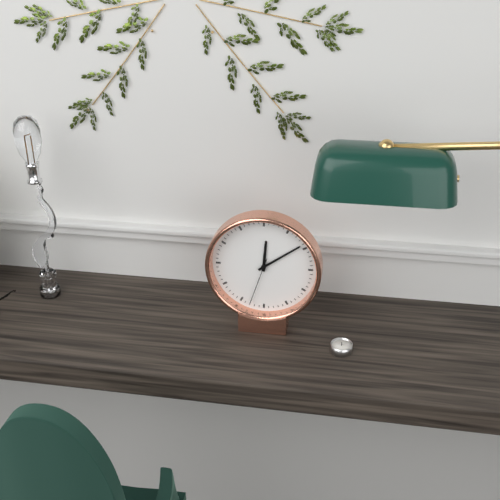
12:09:33
